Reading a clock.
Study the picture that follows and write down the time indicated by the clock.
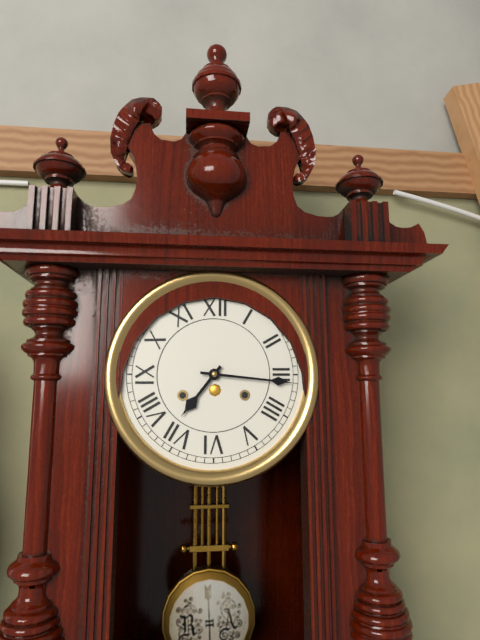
7:16
